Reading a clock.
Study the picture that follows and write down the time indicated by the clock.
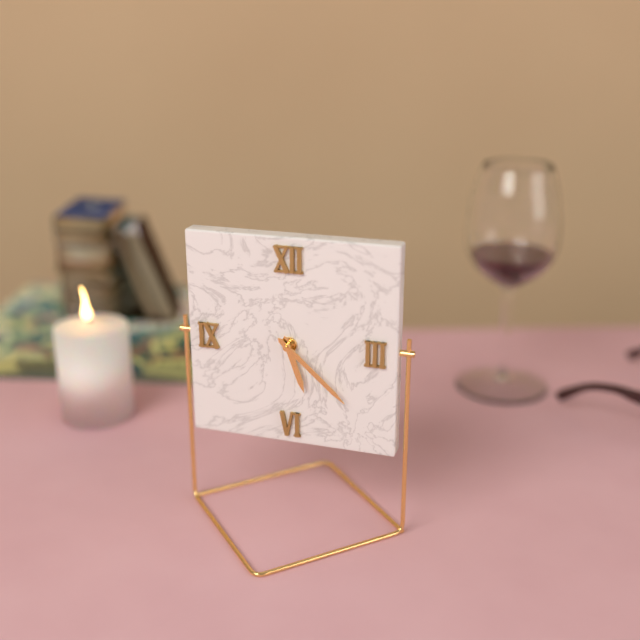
5:22
